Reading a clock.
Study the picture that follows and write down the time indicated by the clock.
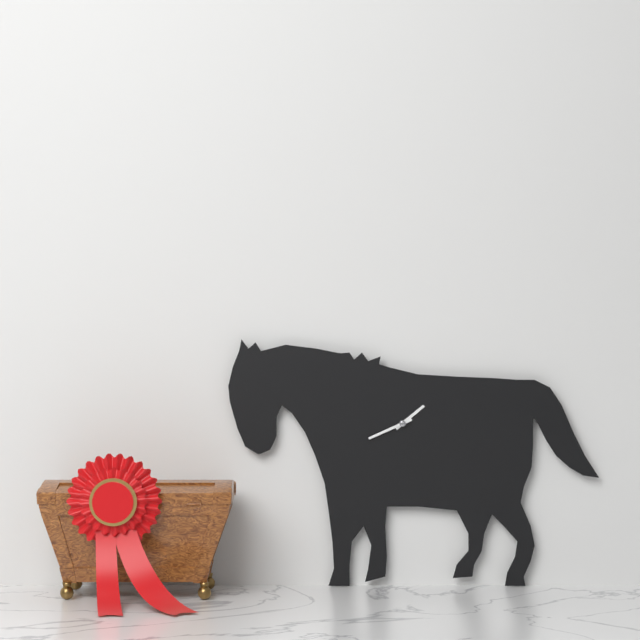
1:41
